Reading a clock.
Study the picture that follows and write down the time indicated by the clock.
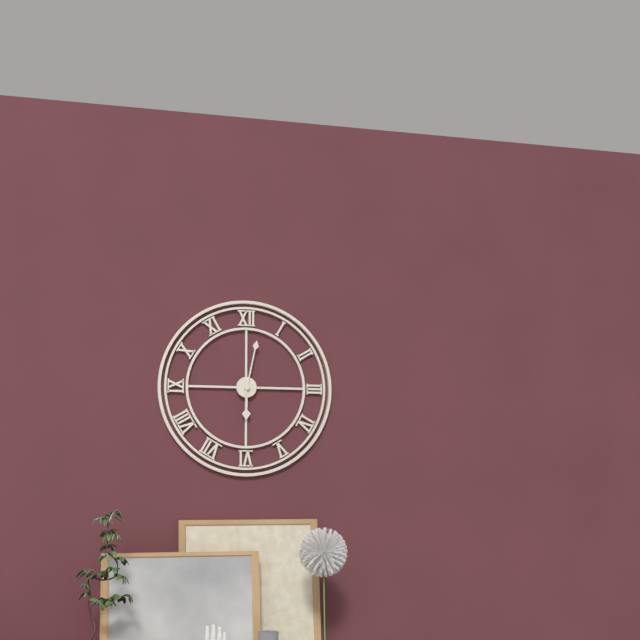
6:02
